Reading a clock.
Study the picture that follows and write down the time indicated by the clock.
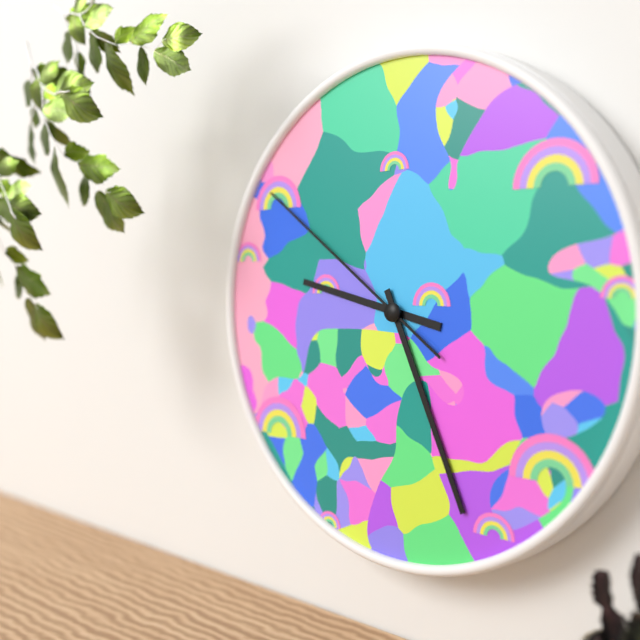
9:26:51
